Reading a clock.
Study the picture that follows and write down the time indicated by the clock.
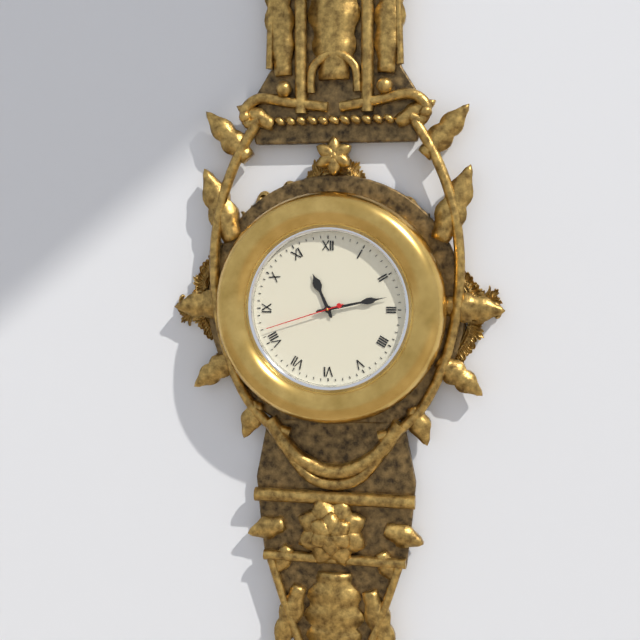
11:13:42
